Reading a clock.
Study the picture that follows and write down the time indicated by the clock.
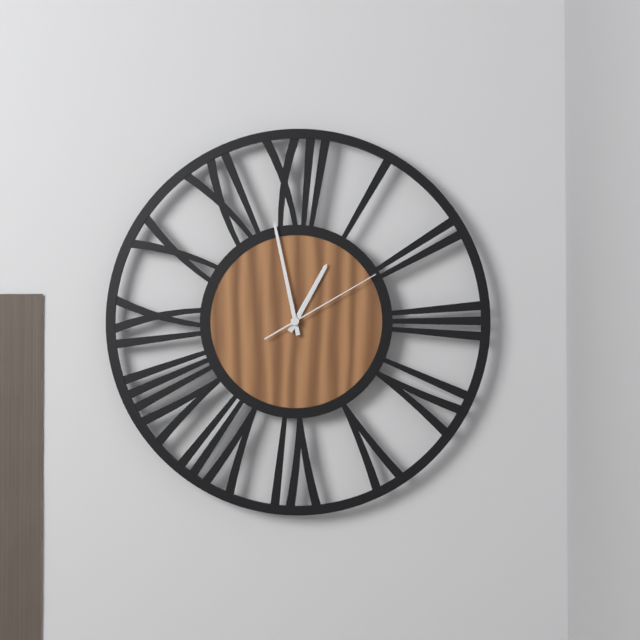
12:58:10
